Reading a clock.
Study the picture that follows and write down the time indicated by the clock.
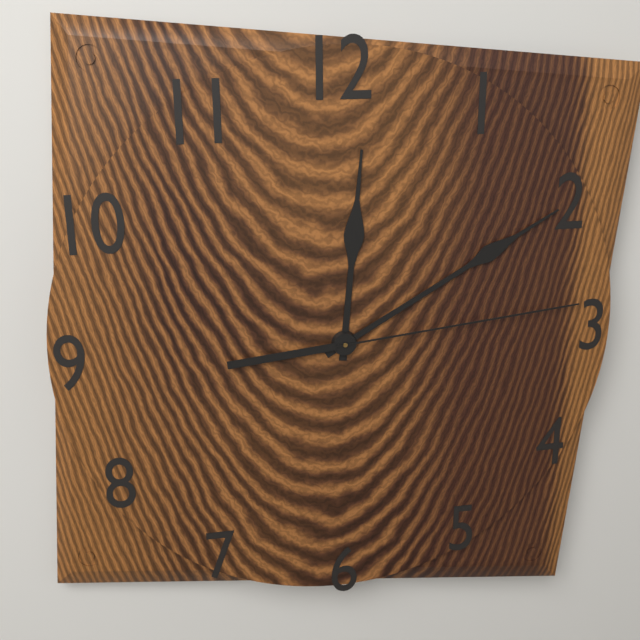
12:10:14
